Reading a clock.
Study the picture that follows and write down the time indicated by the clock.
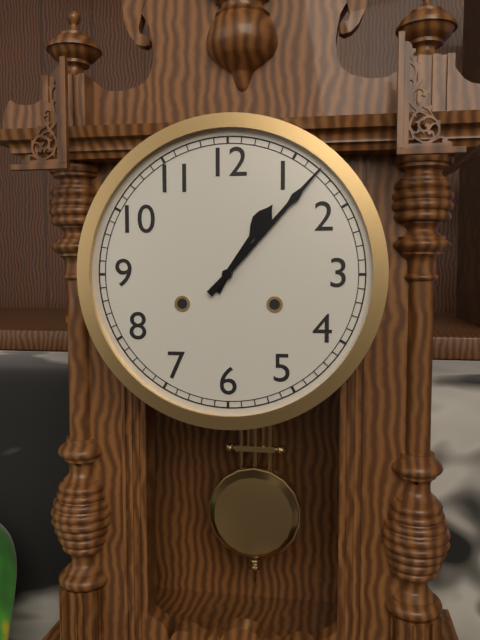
1:07
